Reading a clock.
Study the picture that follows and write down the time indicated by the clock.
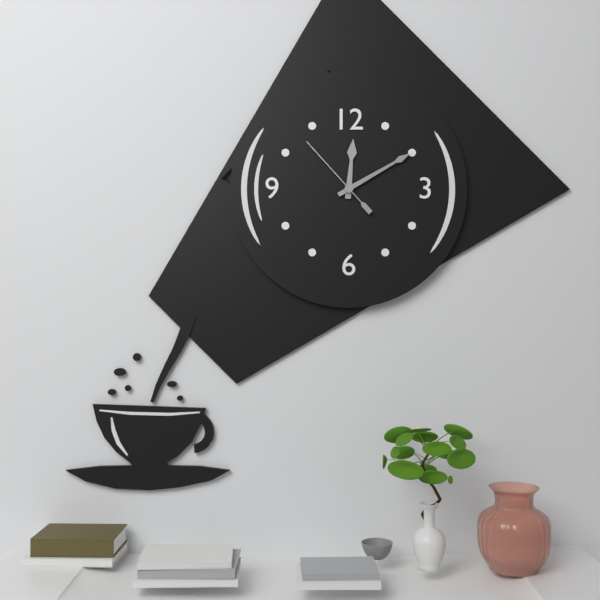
12:10:53
